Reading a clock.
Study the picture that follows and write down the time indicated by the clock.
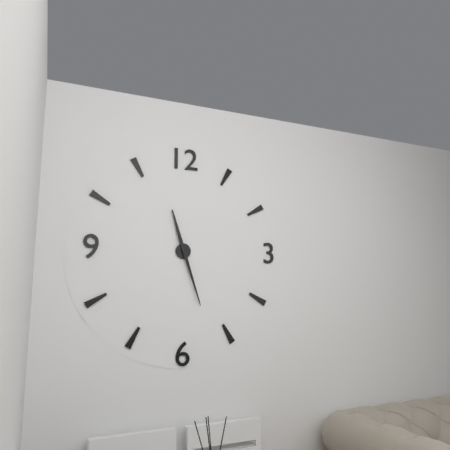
11:27
